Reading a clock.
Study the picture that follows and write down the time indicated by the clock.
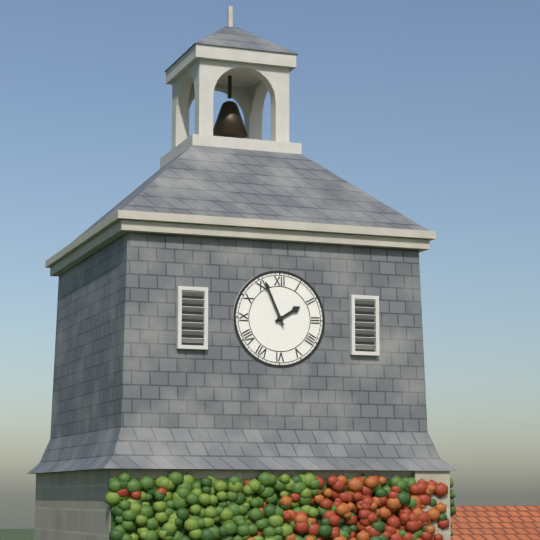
1:56
